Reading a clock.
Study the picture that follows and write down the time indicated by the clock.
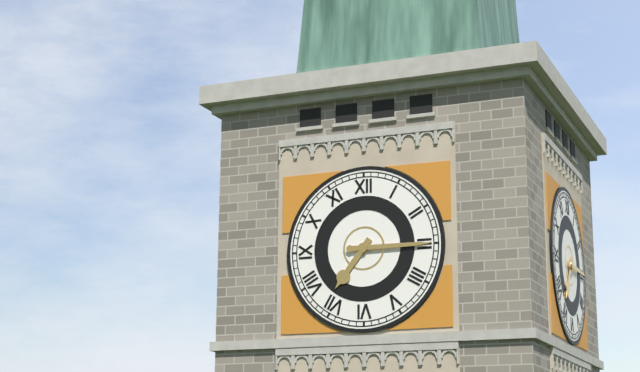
7:15
